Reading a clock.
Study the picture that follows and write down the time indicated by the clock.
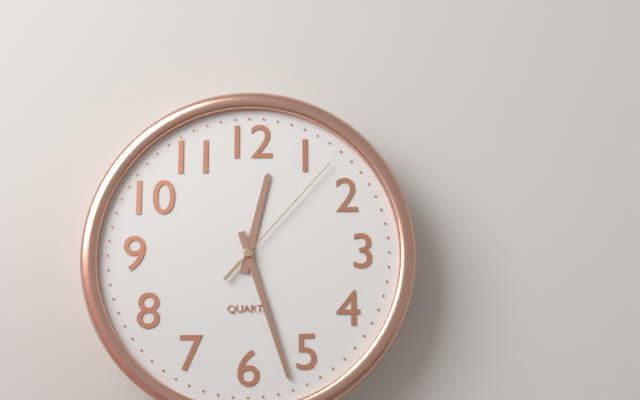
12:27:07
